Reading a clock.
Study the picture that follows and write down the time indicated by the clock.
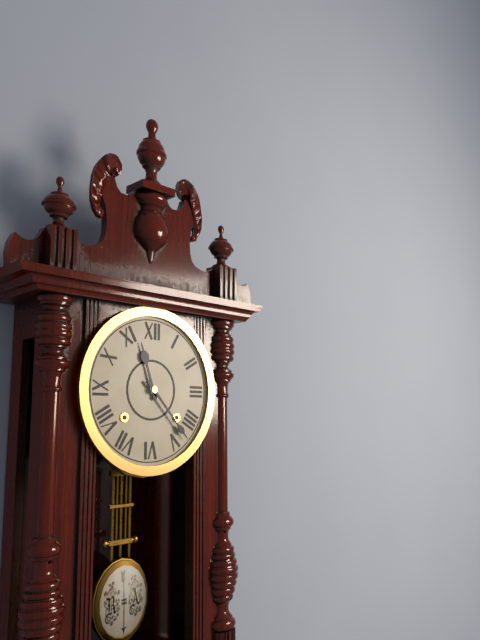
11:23
